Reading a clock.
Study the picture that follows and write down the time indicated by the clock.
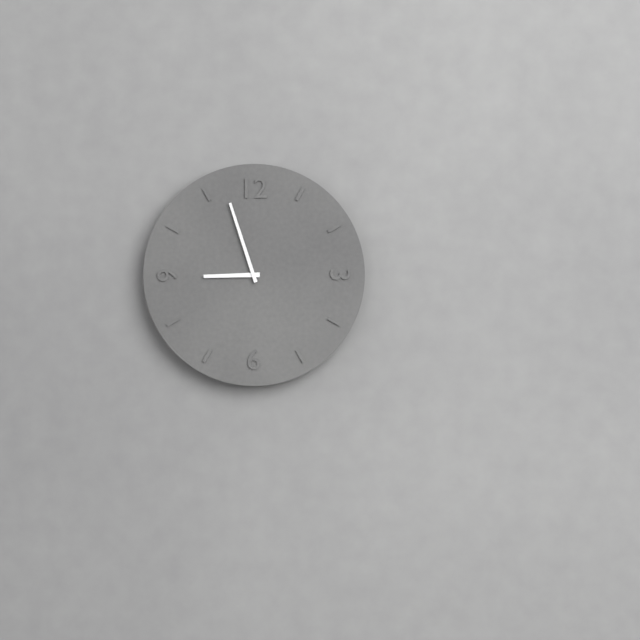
8:57
